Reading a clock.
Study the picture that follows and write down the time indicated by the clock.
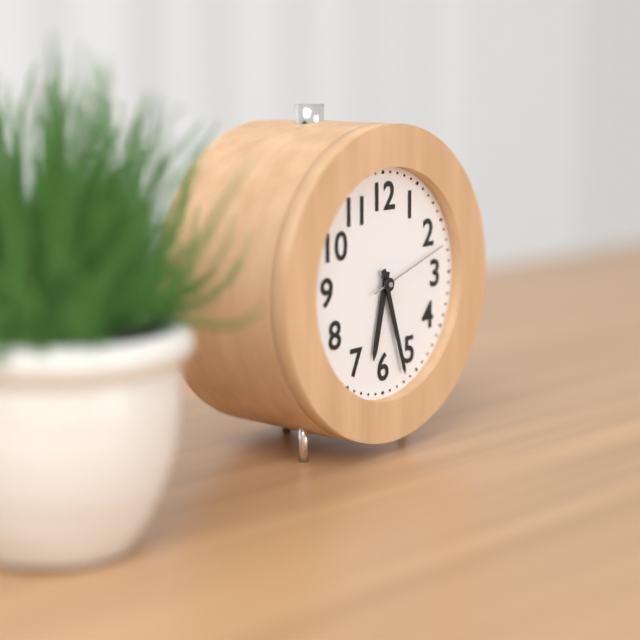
6:27:12
